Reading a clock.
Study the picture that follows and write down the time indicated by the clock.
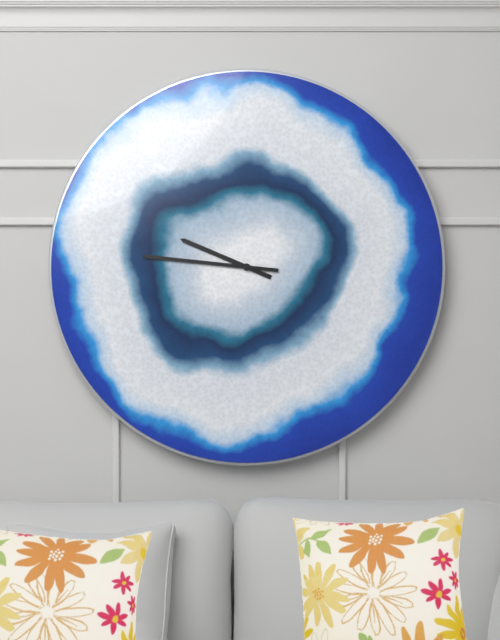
9:46
